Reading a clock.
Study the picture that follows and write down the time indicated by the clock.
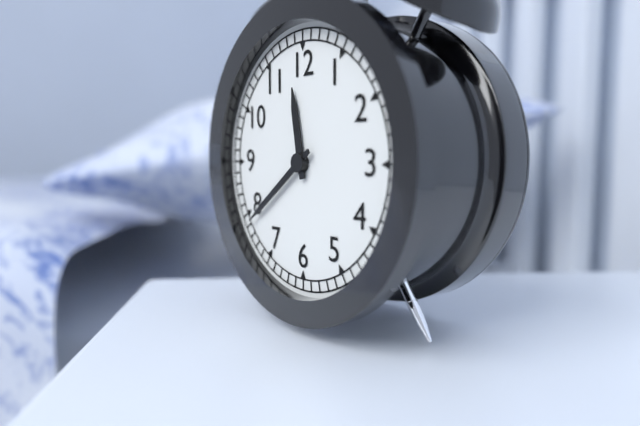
11:39
